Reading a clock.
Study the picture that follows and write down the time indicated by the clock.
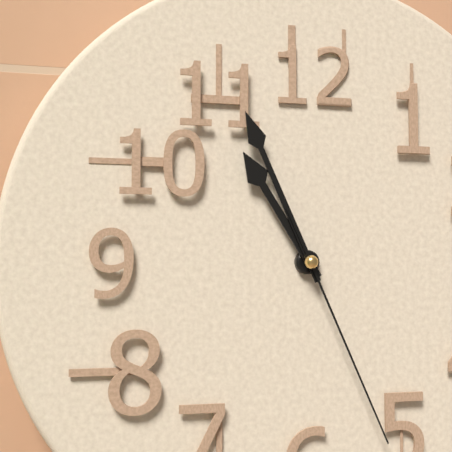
10:56:26
